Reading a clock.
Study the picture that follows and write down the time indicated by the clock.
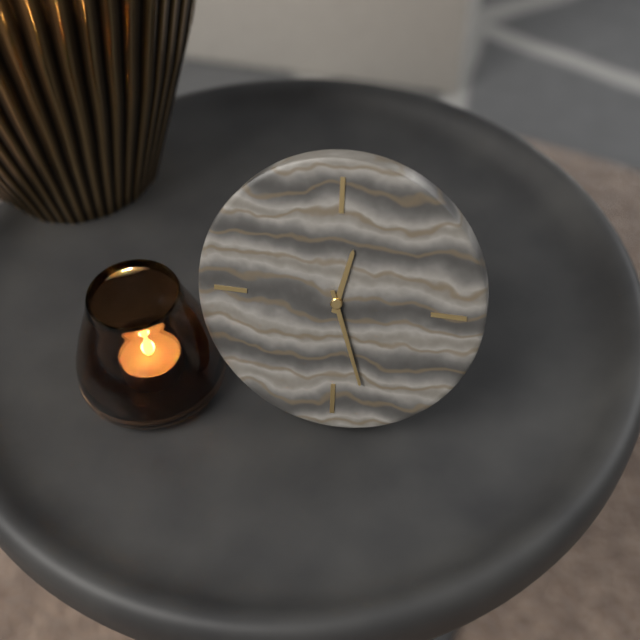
12:27
